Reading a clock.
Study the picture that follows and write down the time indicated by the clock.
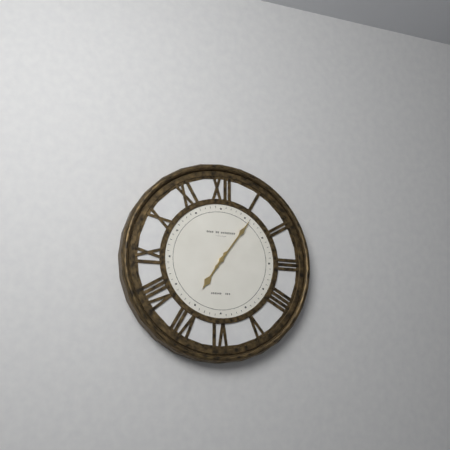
7:06
